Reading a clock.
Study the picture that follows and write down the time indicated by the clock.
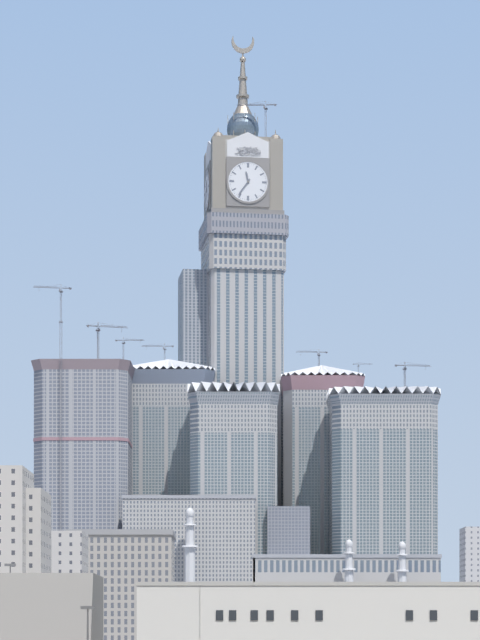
11:36
